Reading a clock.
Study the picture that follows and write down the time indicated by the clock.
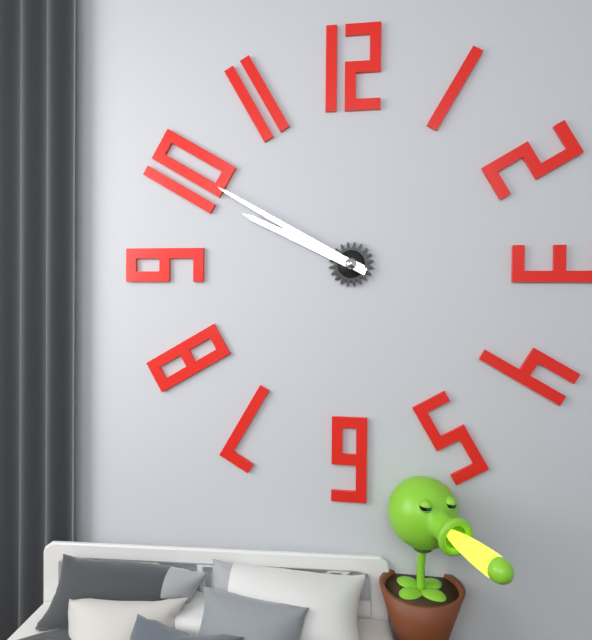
9:50
